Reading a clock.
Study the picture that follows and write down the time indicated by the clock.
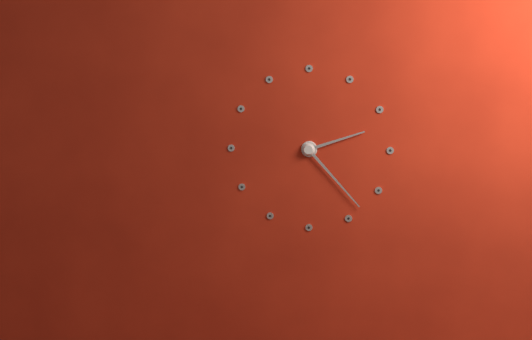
2:23
